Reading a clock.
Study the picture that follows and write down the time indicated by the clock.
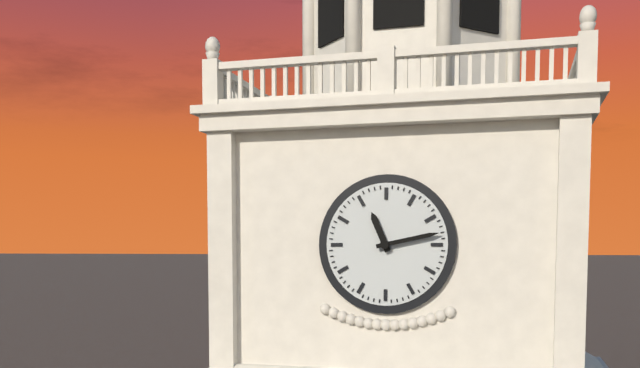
11:13
